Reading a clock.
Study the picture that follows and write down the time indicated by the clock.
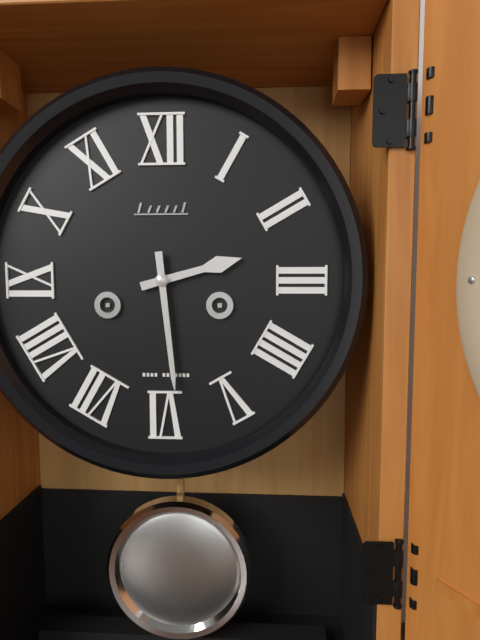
2:29
